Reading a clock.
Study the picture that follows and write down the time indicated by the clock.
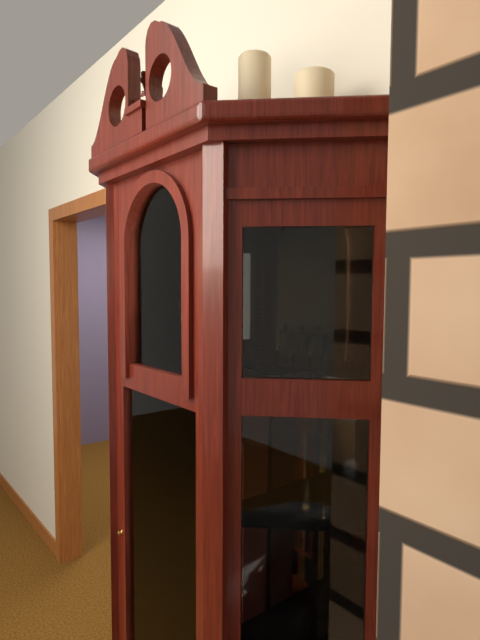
3:03
